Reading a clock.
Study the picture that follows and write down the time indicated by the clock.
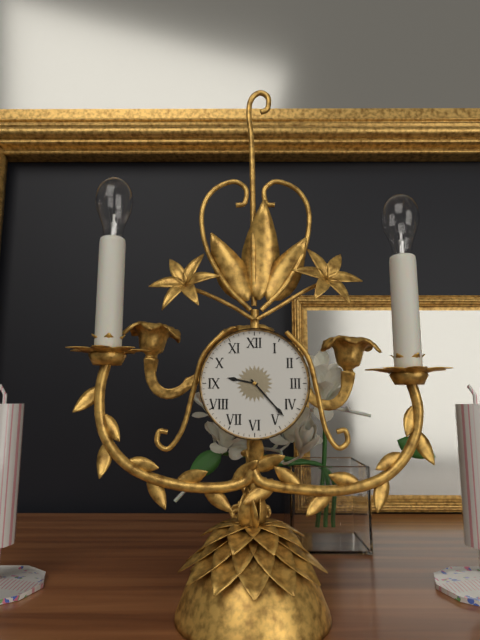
9:23
